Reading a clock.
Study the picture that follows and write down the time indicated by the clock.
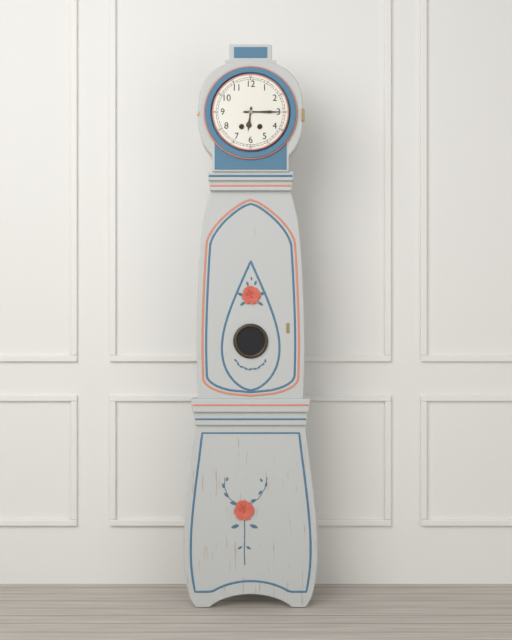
6:15
